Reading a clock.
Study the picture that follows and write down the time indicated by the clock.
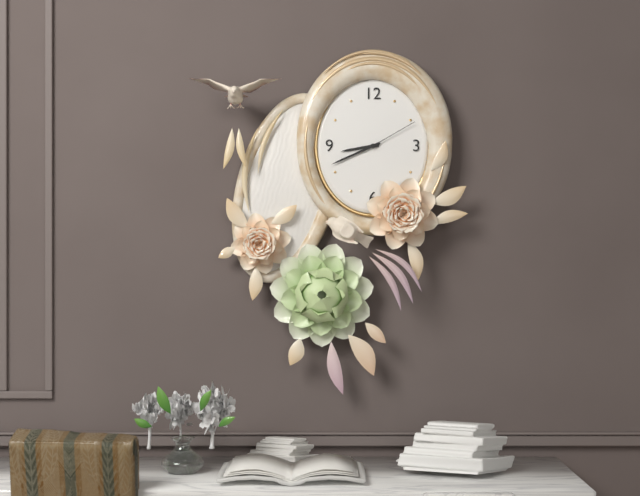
8:41:10
